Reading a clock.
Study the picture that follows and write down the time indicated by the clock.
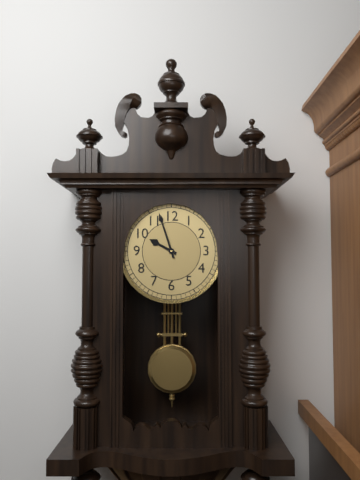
9:57
